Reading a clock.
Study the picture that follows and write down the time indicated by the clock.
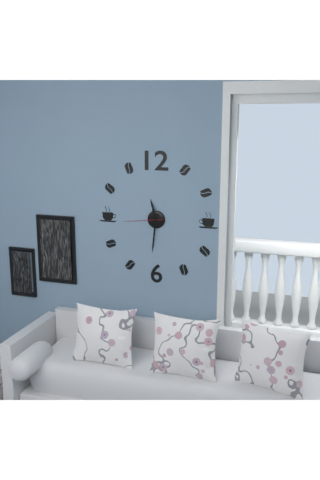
11:31
